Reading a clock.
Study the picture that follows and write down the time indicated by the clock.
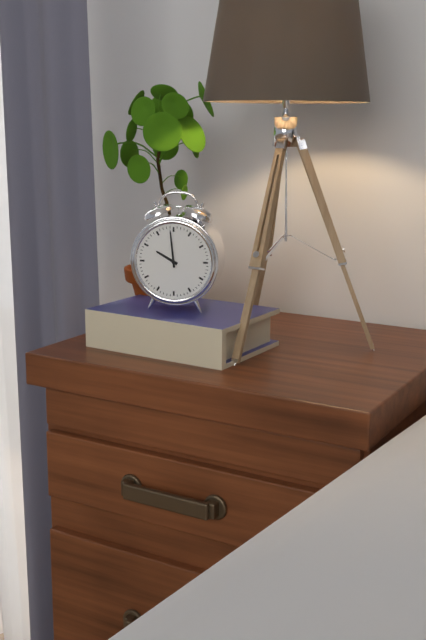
9:59
